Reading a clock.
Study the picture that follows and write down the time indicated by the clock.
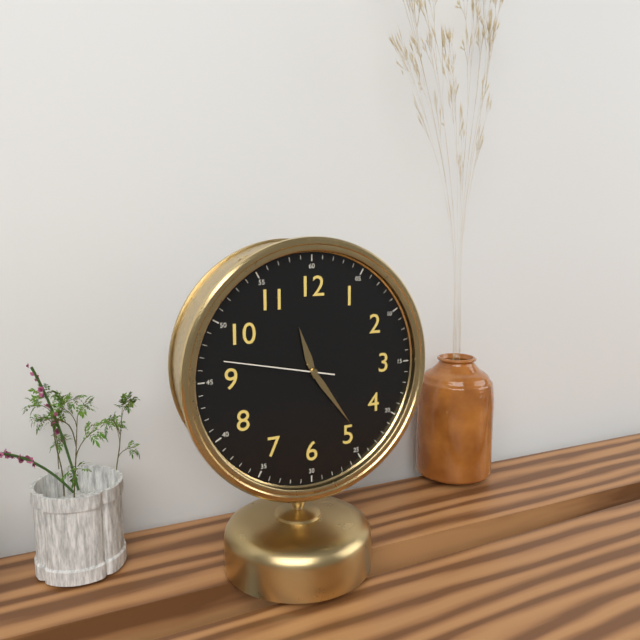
11:24:47
